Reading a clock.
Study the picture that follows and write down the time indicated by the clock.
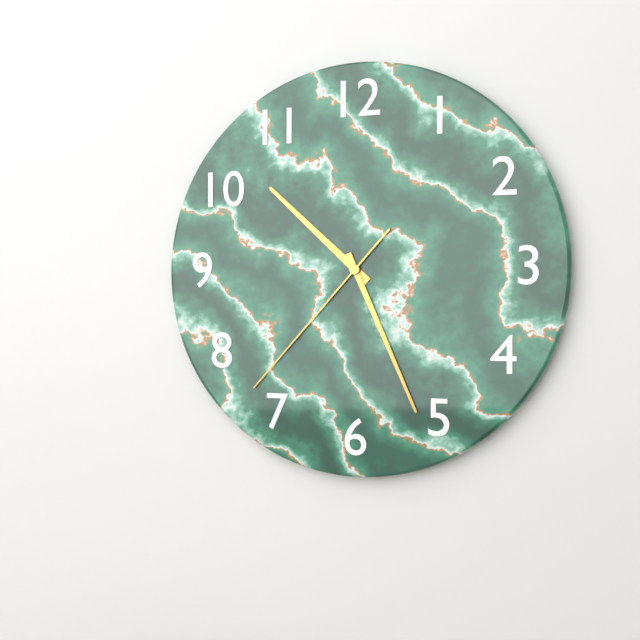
10:26:37
